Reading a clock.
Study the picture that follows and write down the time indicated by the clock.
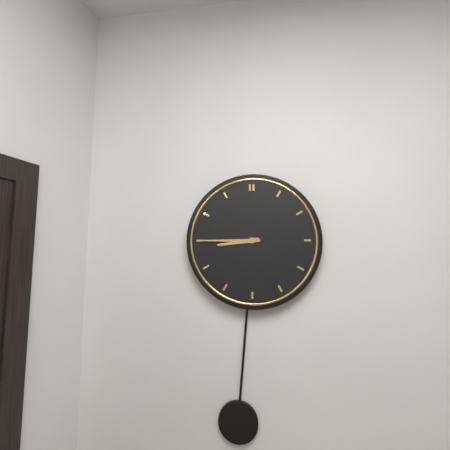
8:45
